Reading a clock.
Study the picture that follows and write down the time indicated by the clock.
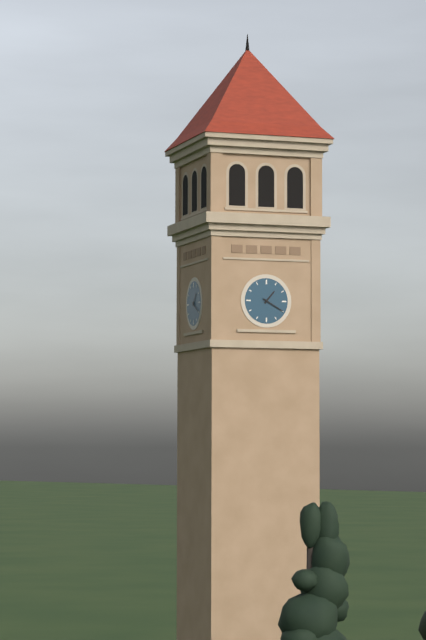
1:20
